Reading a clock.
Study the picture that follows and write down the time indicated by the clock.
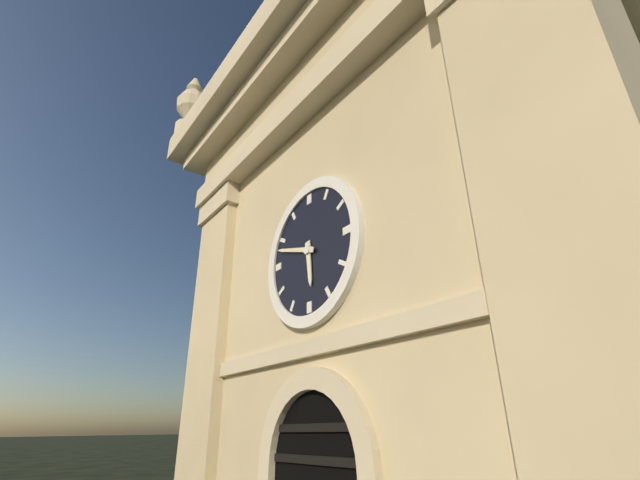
5:48
